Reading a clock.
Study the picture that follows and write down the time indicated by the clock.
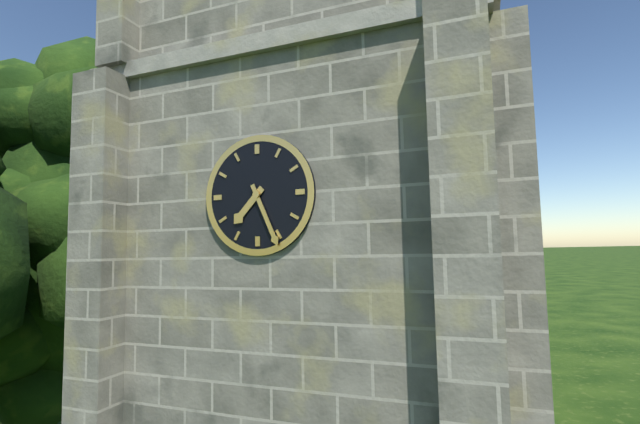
7:26
